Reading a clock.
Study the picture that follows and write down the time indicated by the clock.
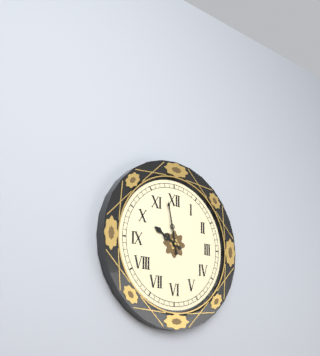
9:58
